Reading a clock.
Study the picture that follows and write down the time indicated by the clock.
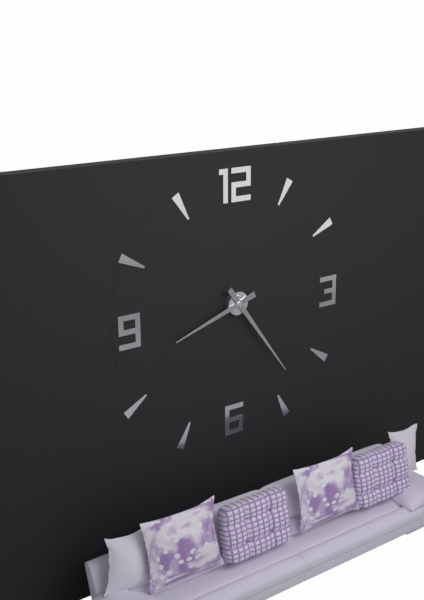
8:24
